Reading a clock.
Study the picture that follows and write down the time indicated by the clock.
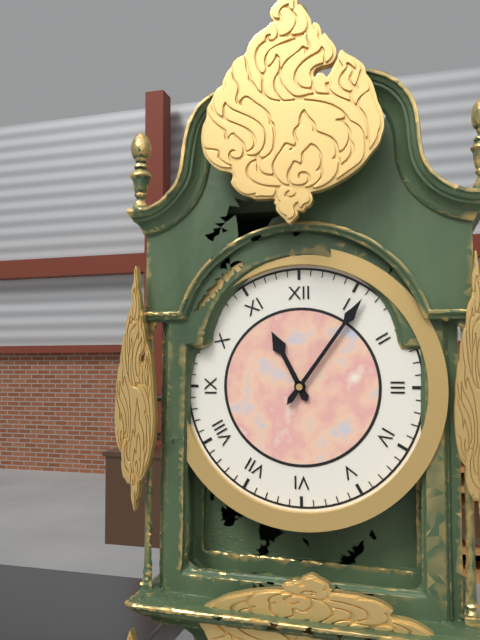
11:06
